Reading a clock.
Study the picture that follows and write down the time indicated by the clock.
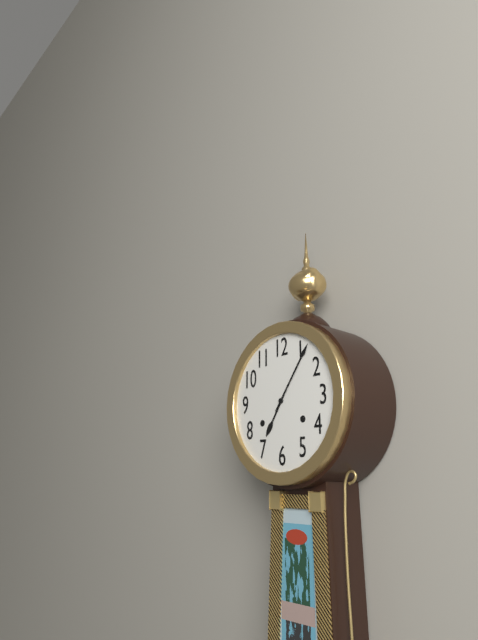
7:06
